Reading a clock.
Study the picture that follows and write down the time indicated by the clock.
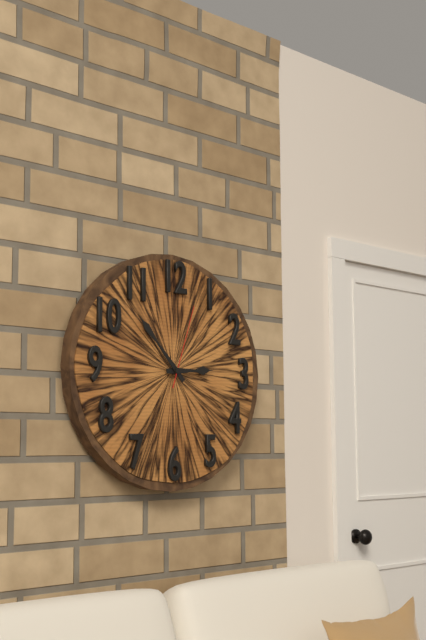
2:53:03
